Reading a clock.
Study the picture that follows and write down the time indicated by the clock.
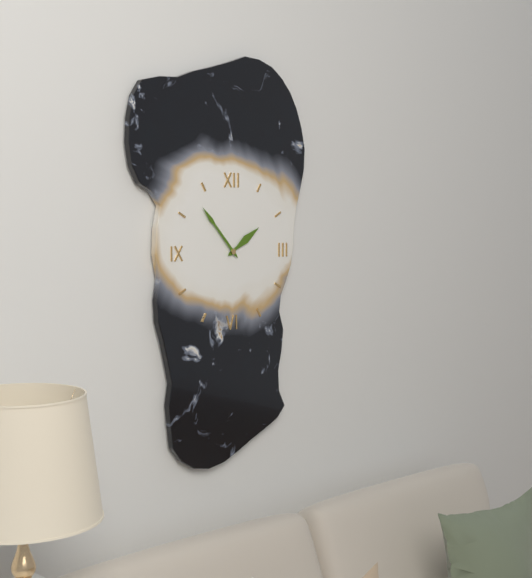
1:53
